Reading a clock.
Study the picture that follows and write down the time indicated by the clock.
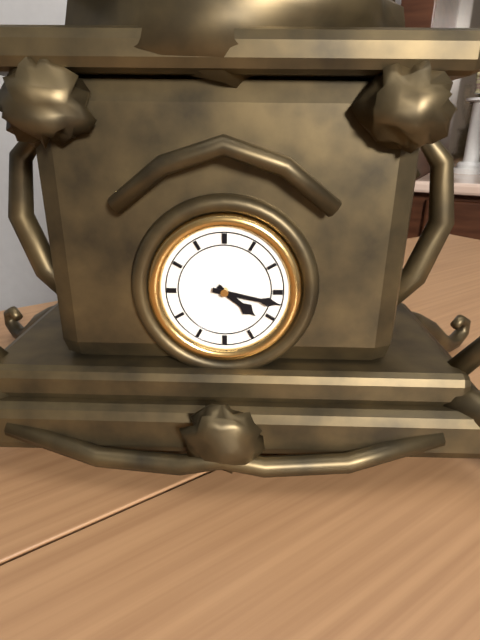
4:17
